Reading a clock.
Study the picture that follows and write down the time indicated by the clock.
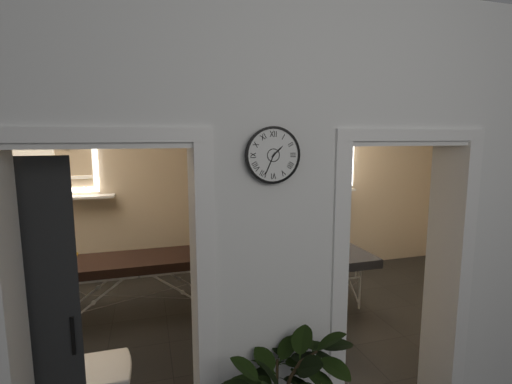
1:34
